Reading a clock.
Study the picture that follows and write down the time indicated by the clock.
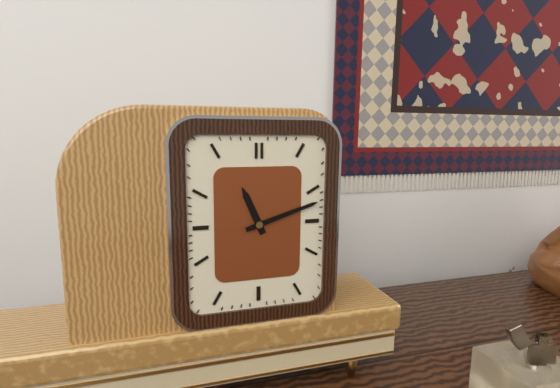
11:12
